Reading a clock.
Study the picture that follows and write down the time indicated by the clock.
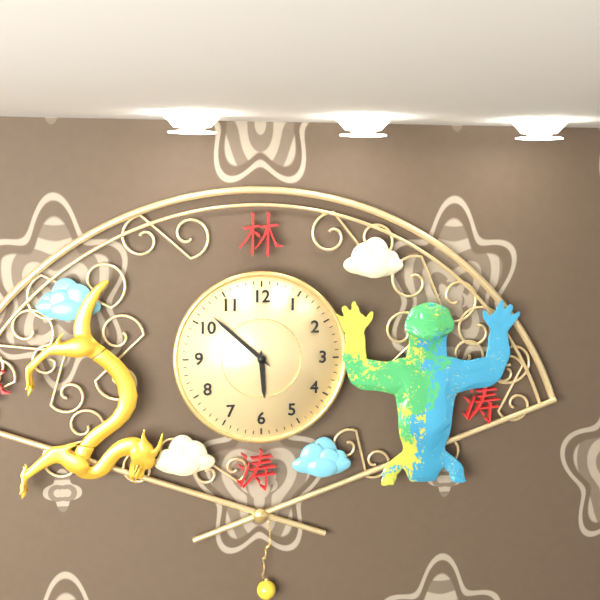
5:52
